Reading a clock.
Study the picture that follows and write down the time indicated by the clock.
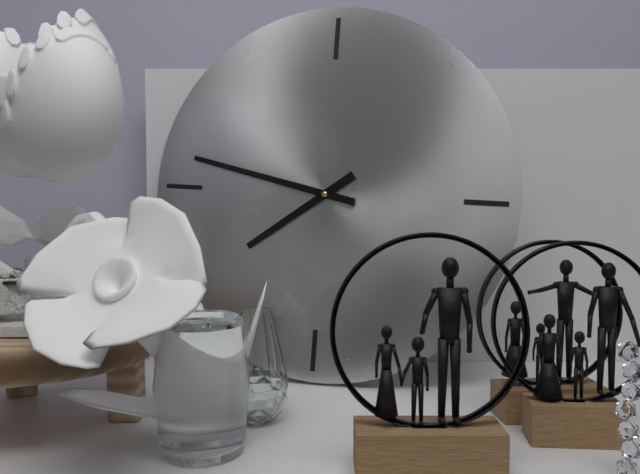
7:47
